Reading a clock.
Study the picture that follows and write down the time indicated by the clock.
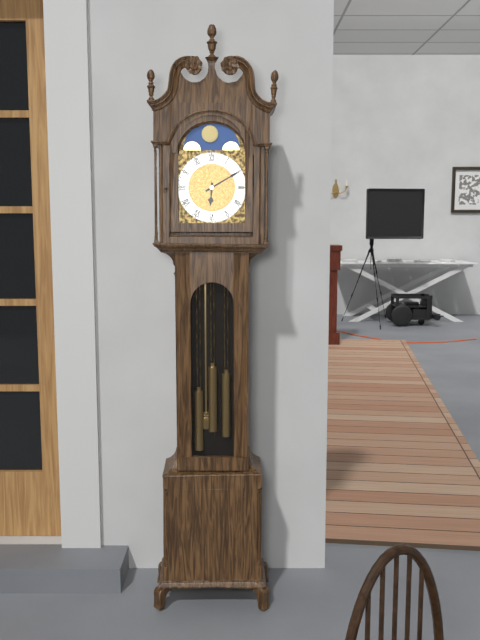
6:10
